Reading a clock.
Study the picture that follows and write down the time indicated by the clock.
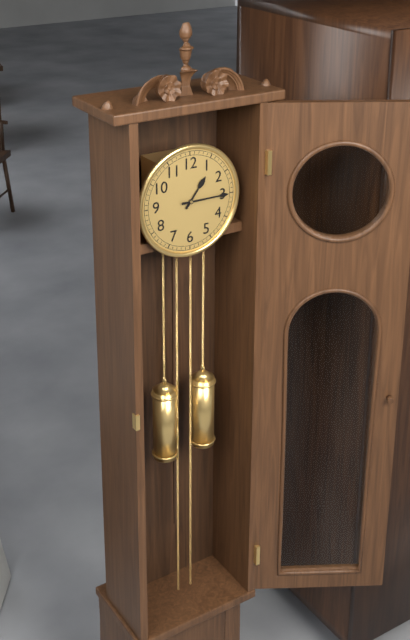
1:15
